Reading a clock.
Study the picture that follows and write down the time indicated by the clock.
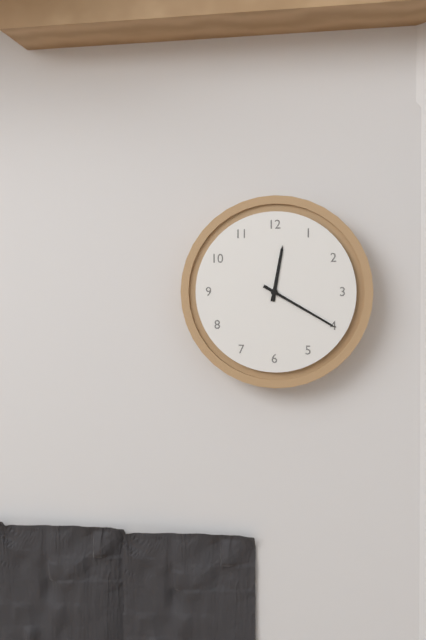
12:20
